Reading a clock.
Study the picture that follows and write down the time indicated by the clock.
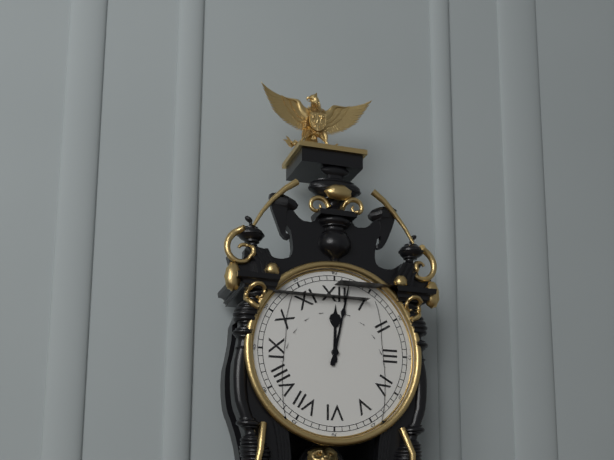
12:02
